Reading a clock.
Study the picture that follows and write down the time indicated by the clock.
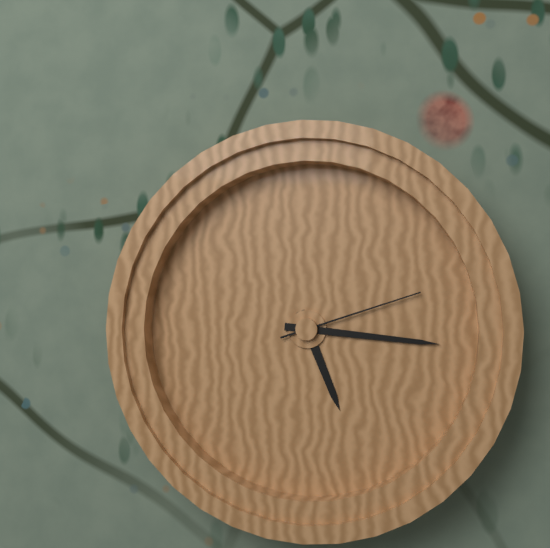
5:16:12
